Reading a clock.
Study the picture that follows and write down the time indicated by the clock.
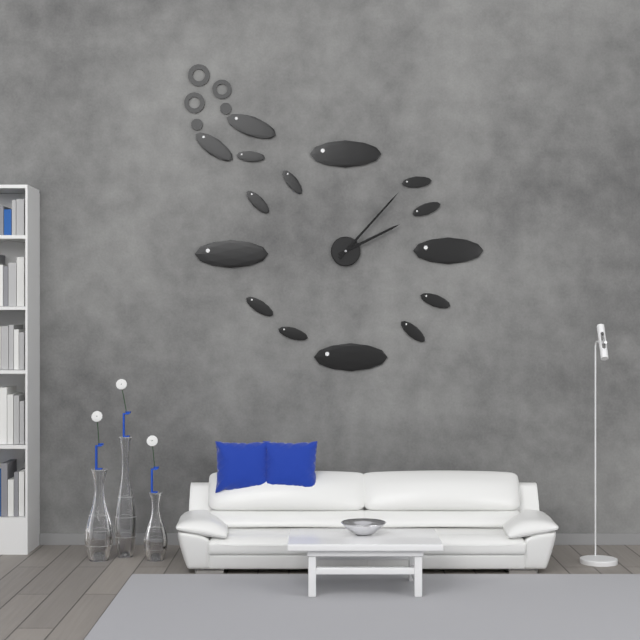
2:07
